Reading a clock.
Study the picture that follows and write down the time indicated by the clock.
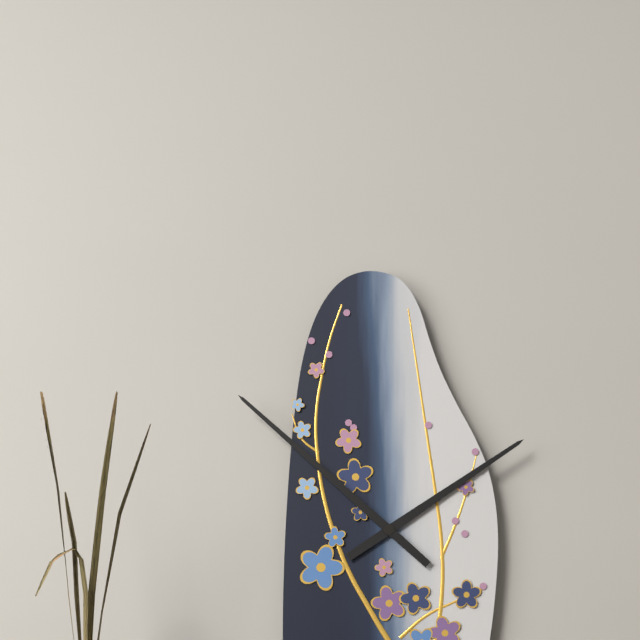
1:52
